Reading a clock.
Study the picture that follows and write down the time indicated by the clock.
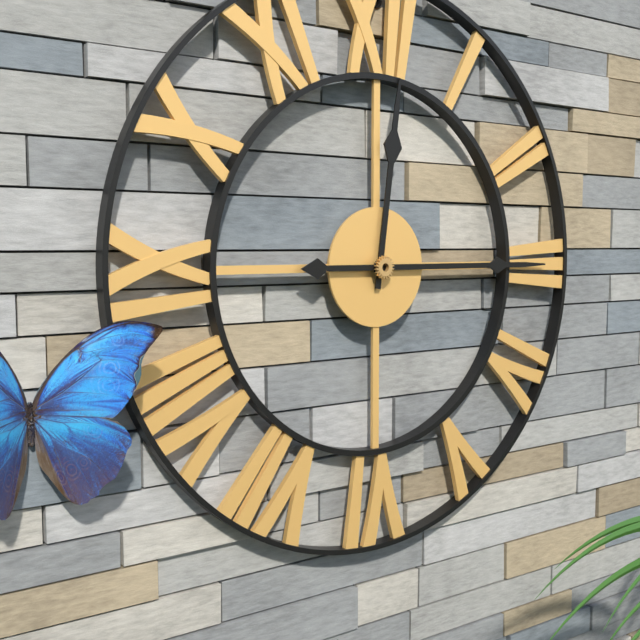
12:15
